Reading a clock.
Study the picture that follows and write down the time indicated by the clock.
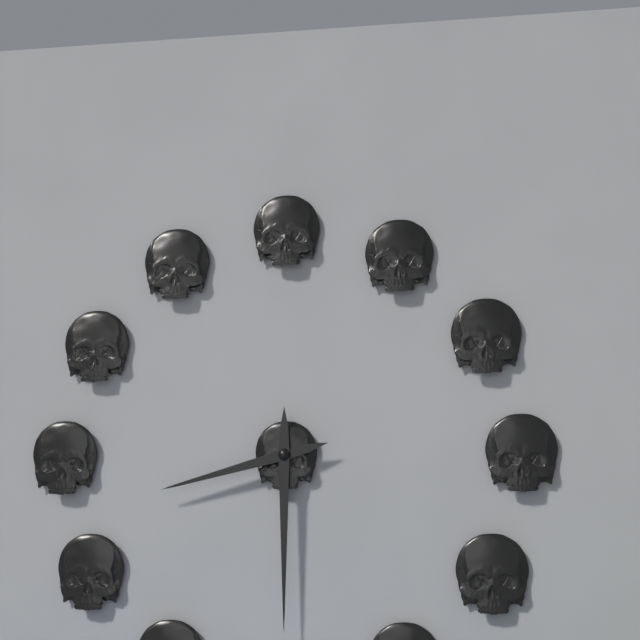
8:30
